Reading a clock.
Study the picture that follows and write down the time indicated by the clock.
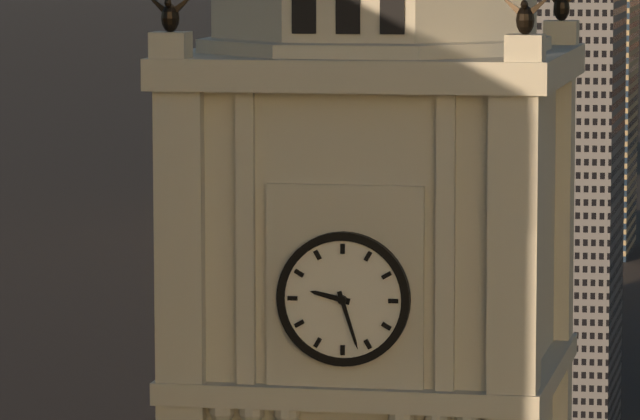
9:27
